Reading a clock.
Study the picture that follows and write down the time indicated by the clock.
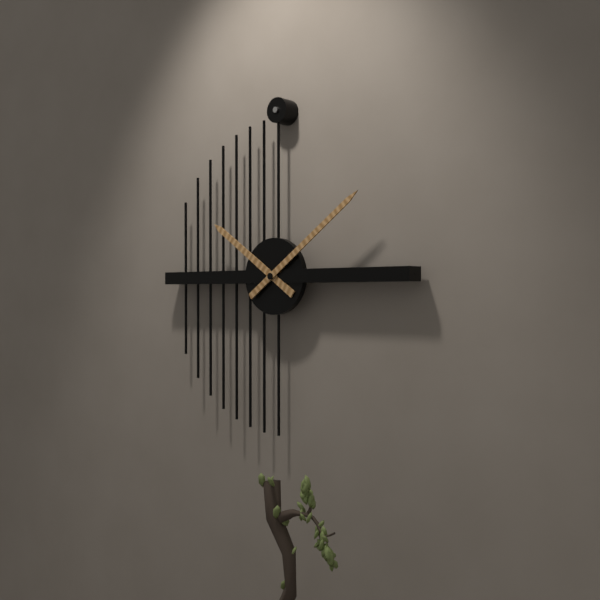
10:09
